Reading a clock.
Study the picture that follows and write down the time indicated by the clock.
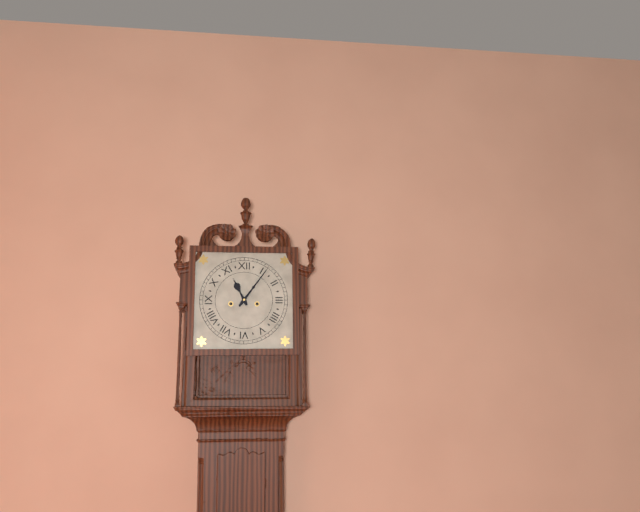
11:06
